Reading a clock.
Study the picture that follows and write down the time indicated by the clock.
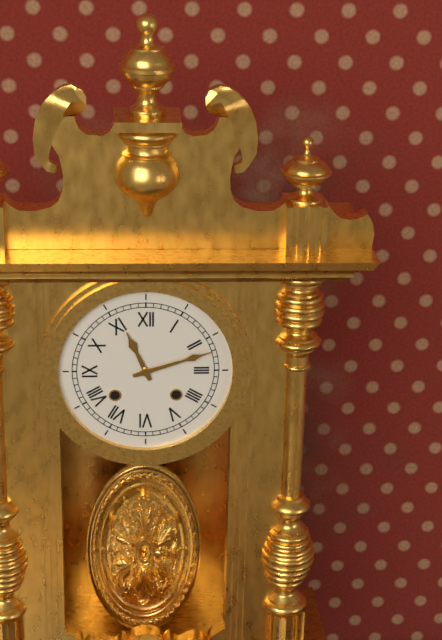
11:12
